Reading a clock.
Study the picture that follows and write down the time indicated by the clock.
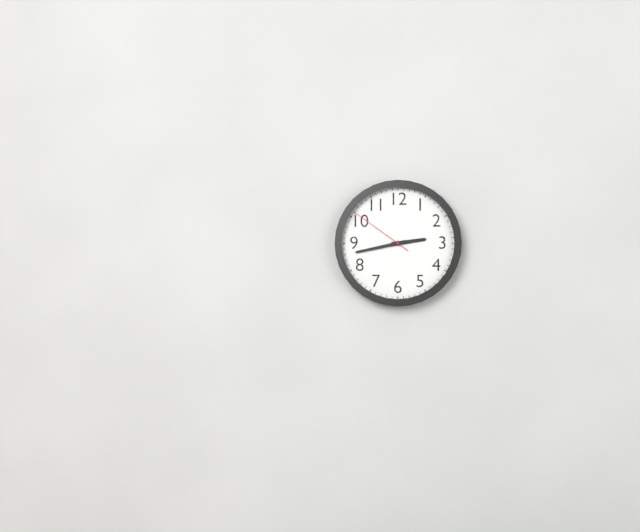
2:43:51
